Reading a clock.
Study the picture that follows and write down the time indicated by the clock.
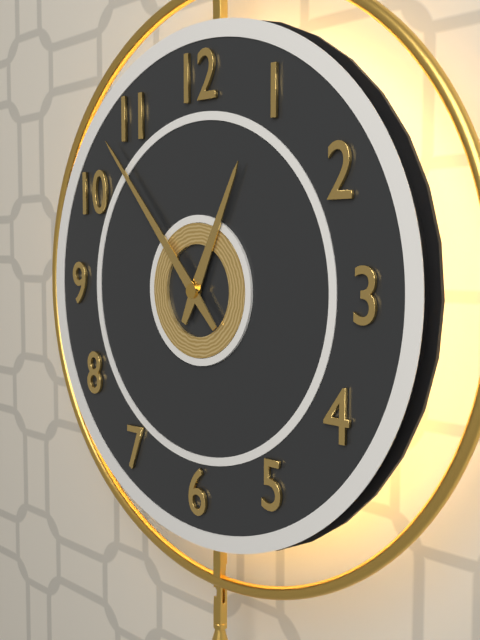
12:53
